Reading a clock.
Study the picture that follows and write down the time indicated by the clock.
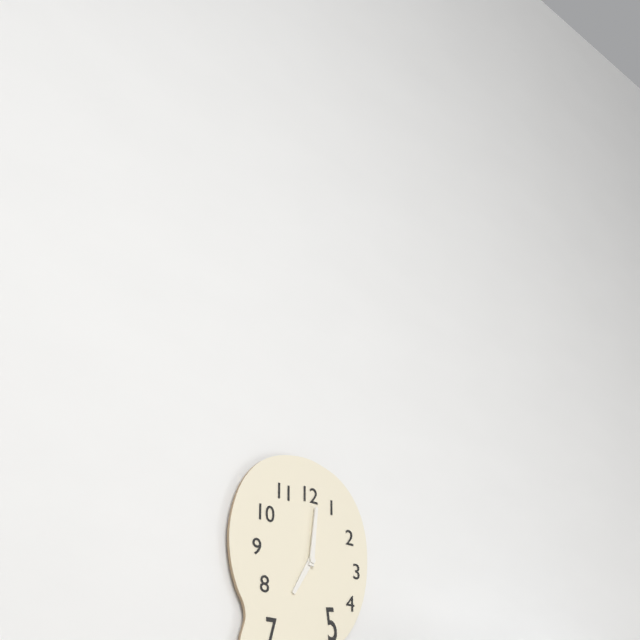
7:01
